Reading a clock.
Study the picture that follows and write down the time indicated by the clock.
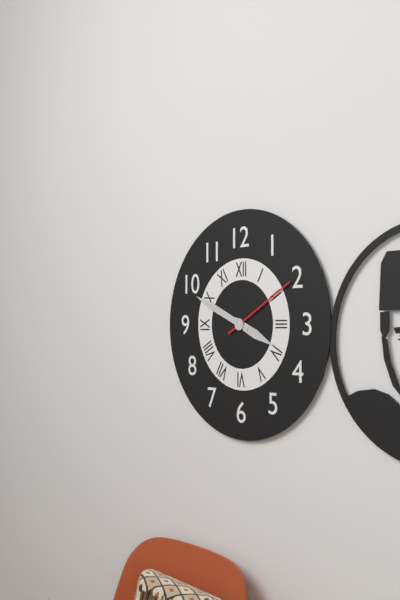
3:49:10
